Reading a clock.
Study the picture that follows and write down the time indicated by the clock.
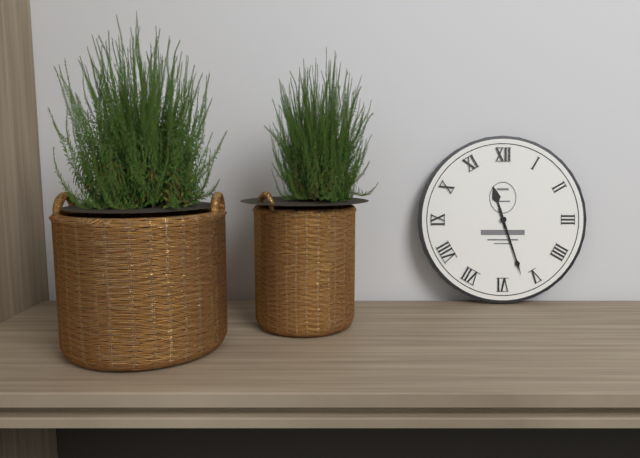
11:27
